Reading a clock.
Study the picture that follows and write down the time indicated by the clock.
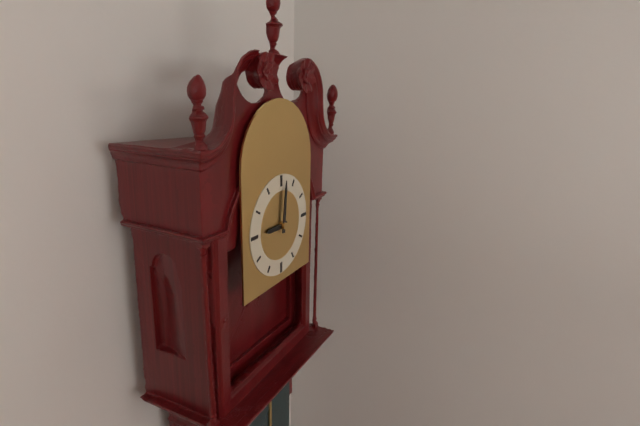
9:01
